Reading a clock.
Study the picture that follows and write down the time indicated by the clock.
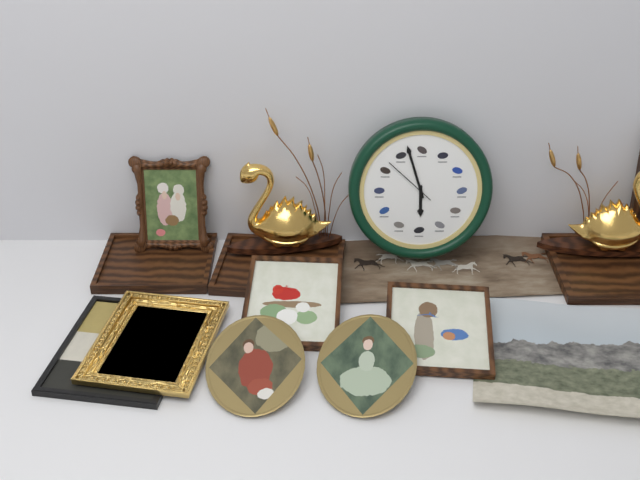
5:57:52
